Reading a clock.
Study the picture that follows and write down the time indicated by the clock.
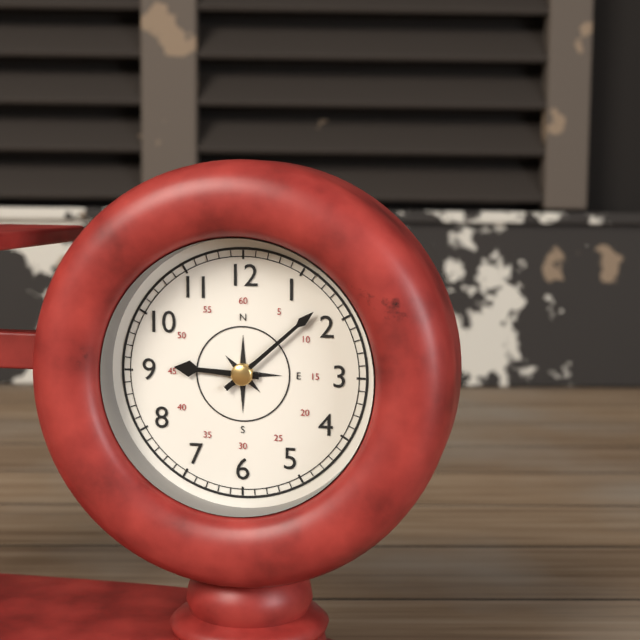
9:08
